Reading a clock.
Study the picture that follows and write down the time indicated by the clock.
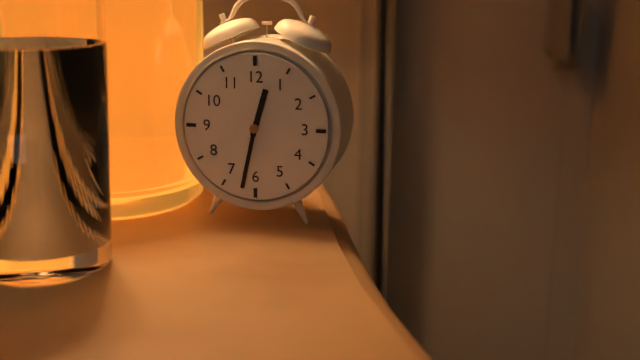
12:32
